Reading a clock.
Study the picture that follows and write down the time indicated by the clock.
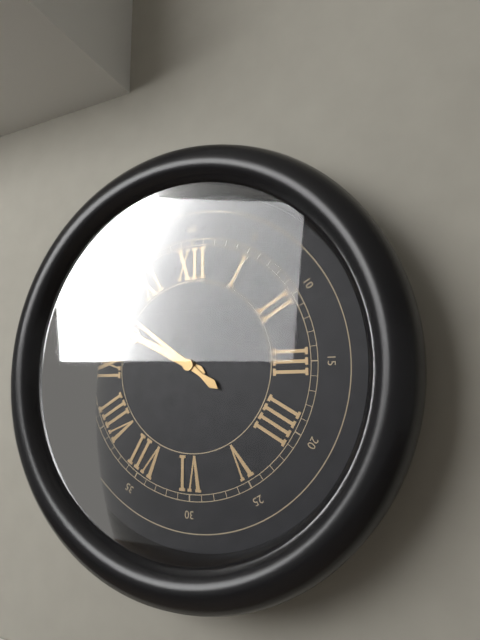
9:51
